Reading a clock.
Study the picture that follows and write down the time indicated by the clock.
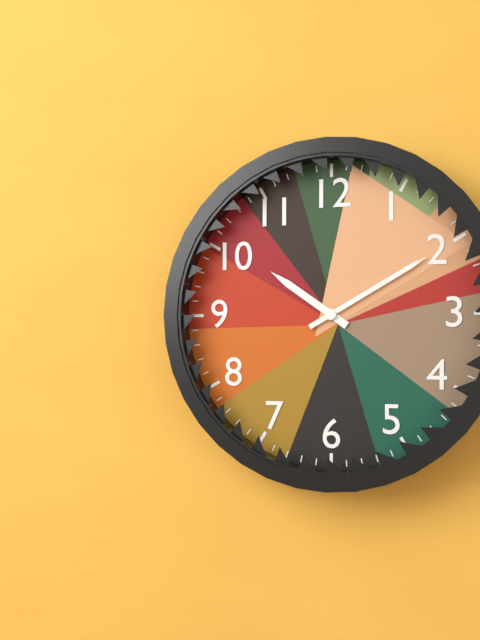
10:10
